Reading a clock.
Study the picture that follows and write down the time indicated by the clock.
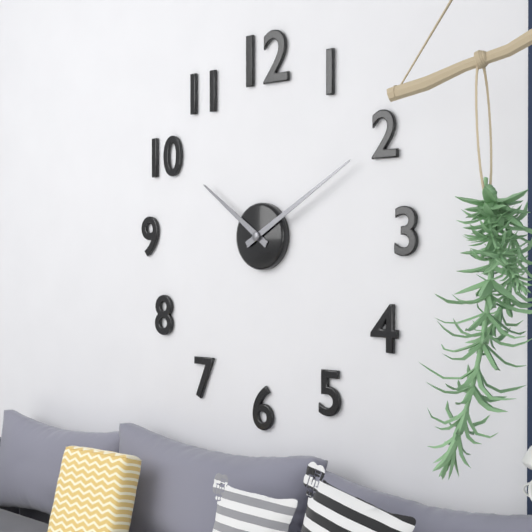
10:10
